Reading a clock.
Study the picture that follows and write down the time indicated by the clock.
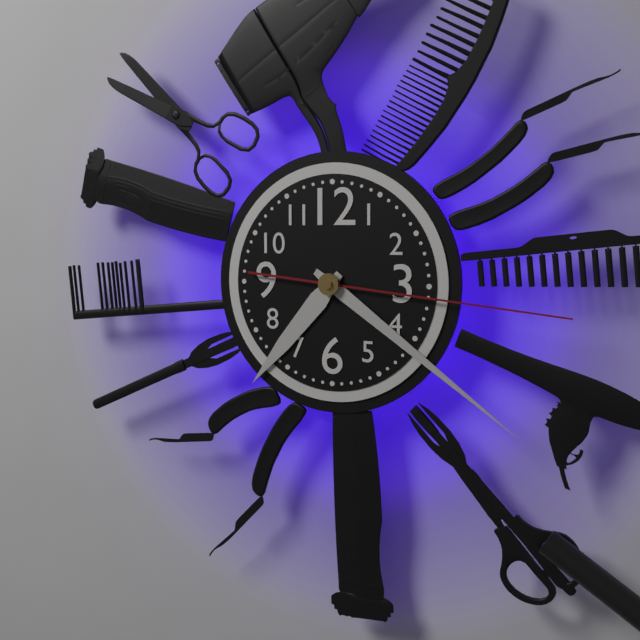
7:21:16
